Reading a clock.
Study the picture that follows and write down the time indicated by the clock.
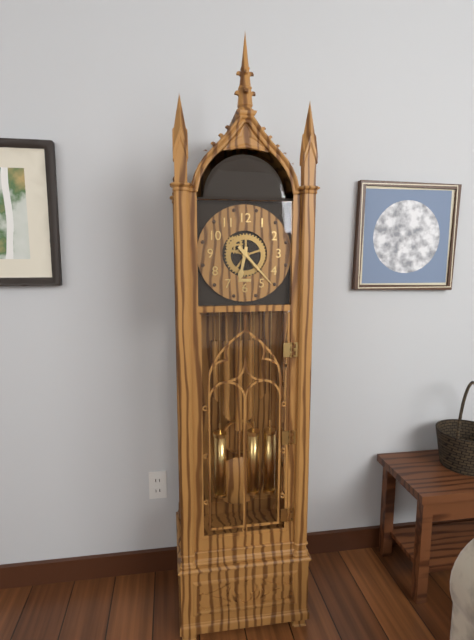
6:23
